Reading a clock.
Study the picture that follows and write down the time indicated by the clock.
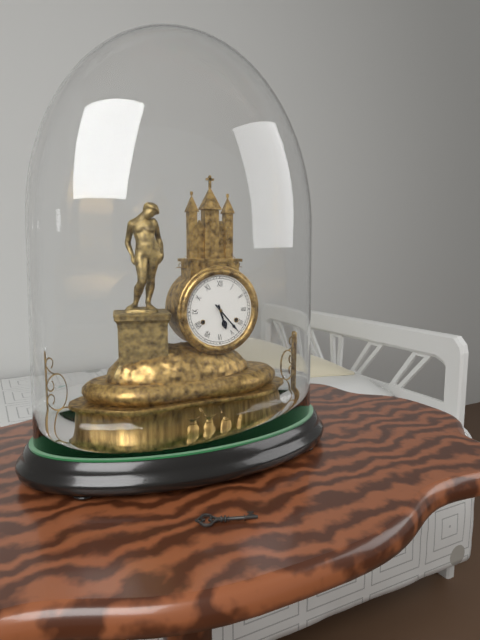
5:23
